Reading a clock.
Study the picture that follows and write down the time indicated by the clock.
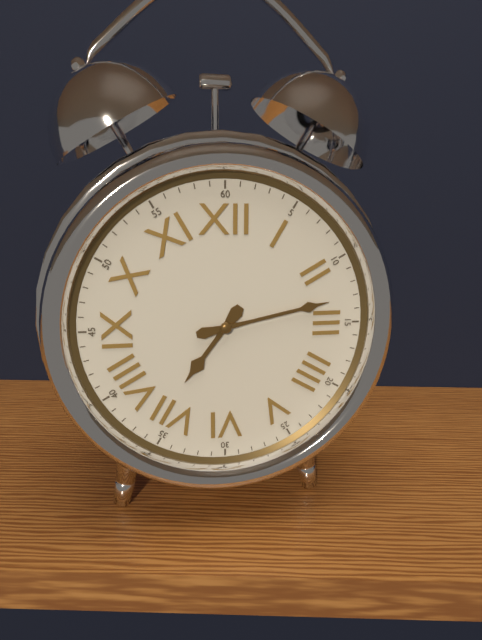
7:13
